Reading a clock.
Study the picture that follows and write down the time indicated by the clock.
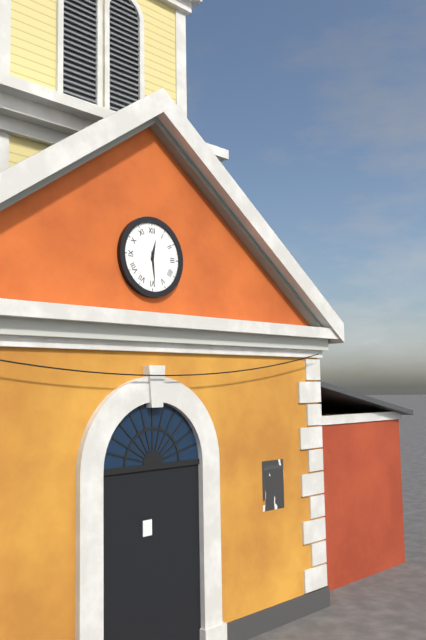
12:29
